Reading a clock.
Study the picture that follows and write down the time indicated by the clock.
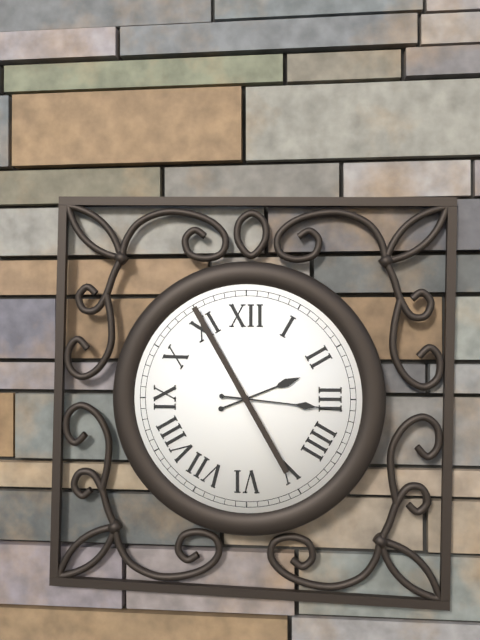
2:16
